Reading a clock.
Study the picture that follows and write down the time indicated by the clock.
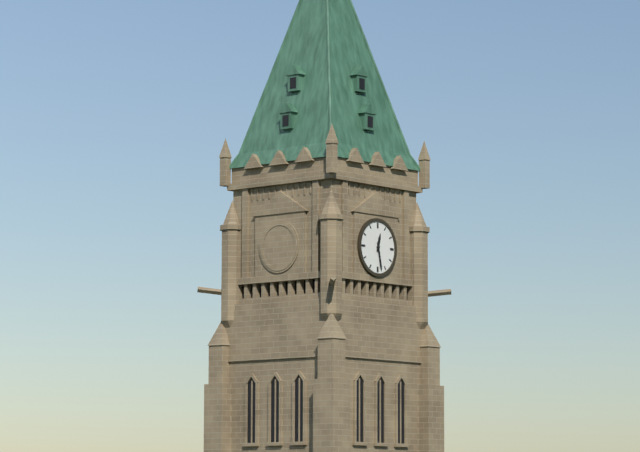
12:28
